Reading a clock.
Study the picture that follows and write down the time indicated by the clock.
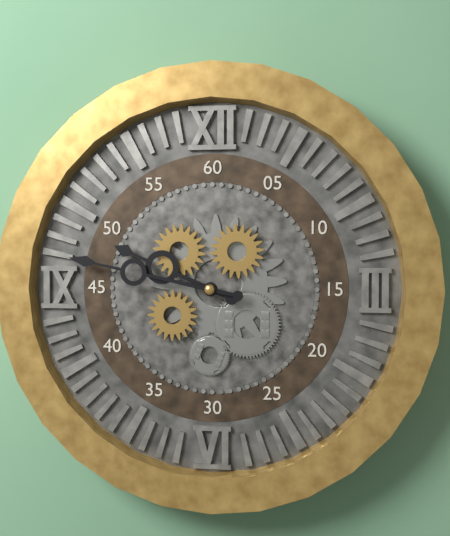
9:47
